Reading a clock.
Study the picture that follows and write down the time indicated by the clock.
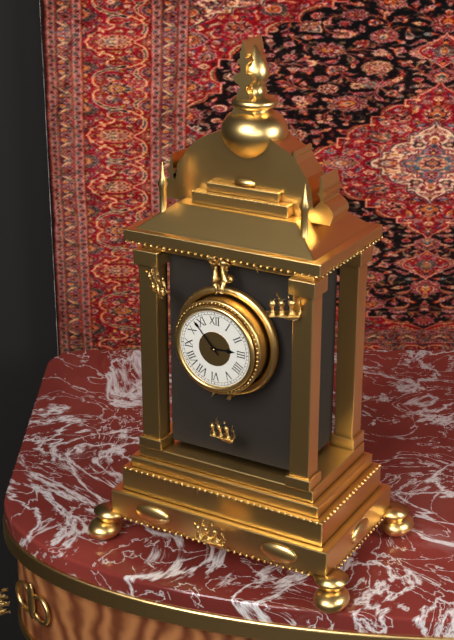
2:53
